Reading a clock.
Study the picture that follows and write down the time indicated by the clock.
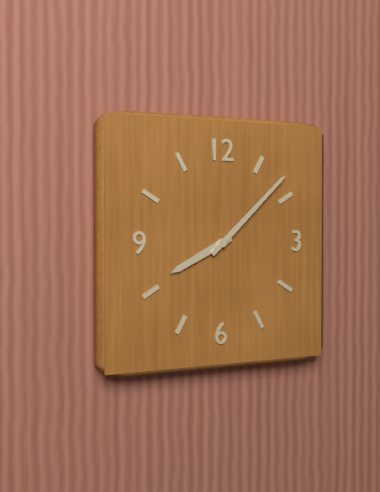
8:08
